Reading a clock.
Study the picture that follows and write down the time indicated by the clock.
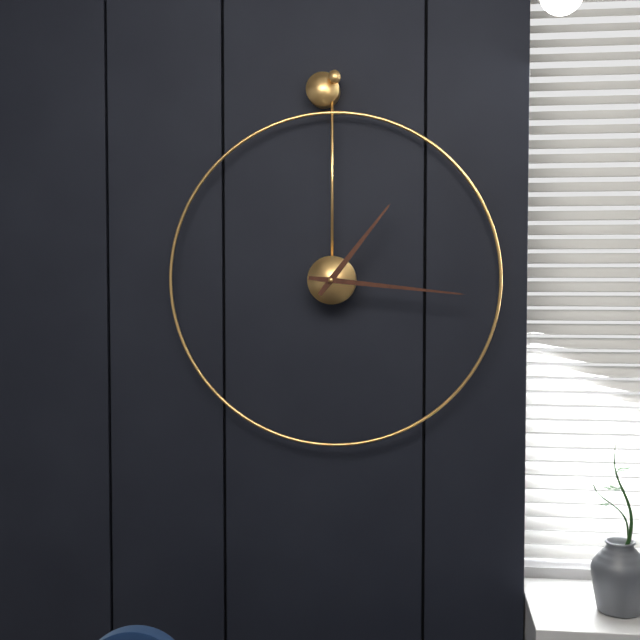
1:16
